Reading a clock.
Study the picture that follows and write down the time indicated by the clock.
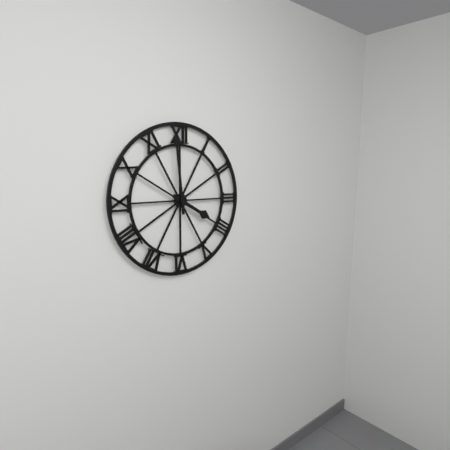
3:59
